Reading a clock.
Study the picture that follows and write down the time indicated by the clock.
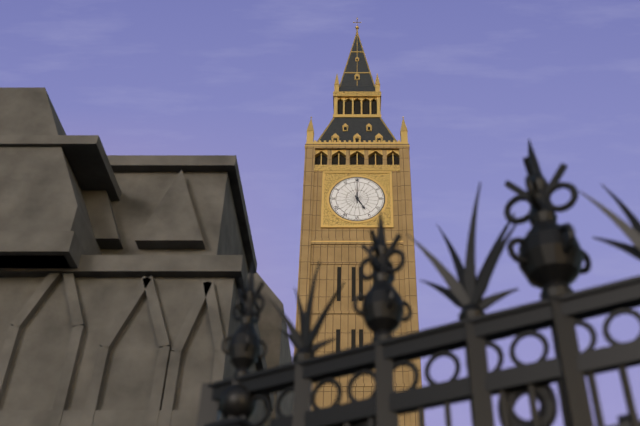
5:00
